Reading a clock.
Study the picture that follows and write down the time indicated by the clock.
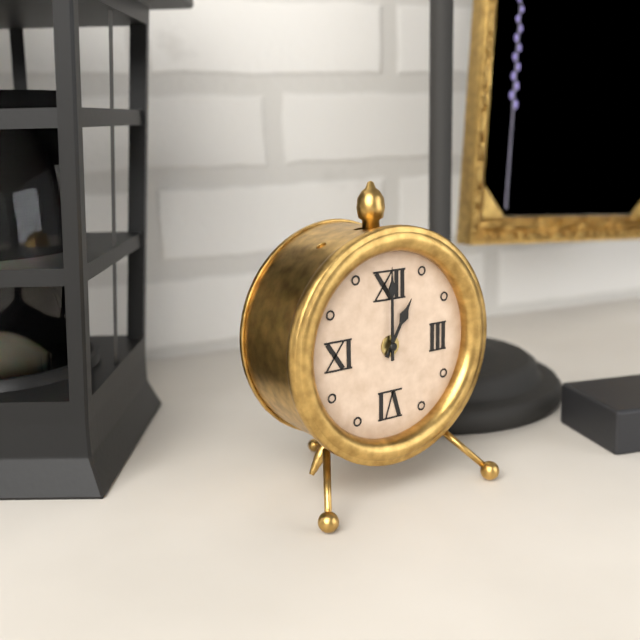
1:00
